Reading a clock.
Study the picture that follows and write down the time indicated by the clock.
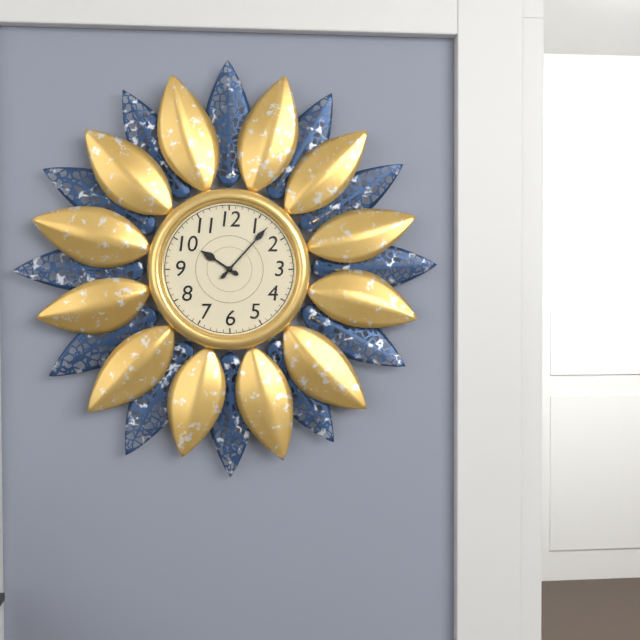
10:07
